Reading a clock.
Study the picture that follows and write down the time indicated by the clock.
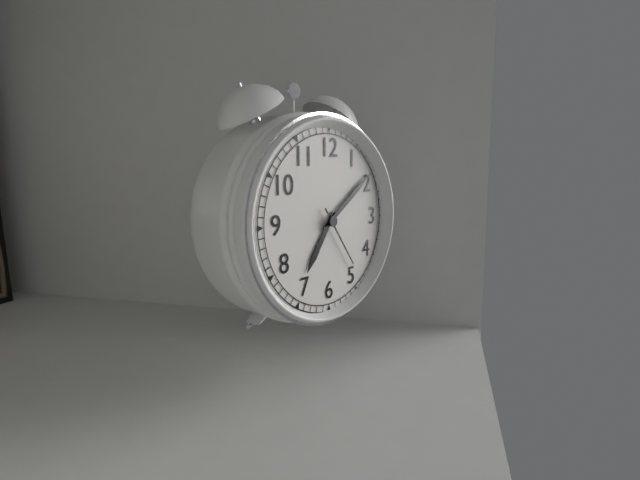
7:09:24
